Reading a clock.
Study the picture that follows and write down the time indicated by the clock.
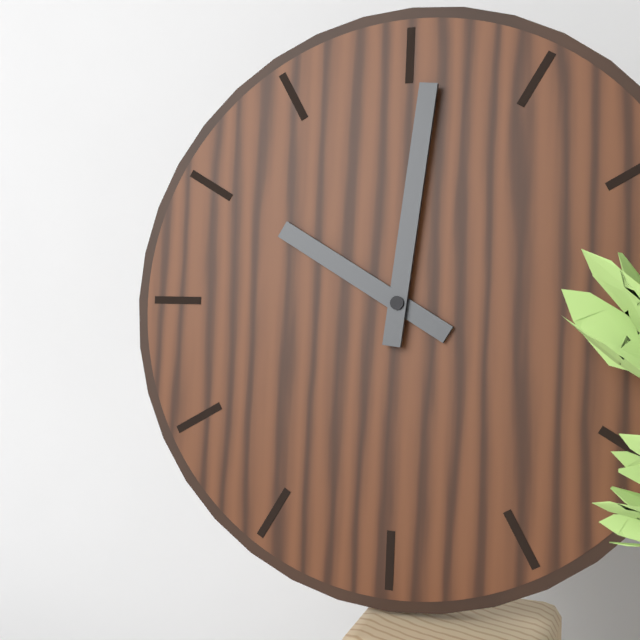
10:01
